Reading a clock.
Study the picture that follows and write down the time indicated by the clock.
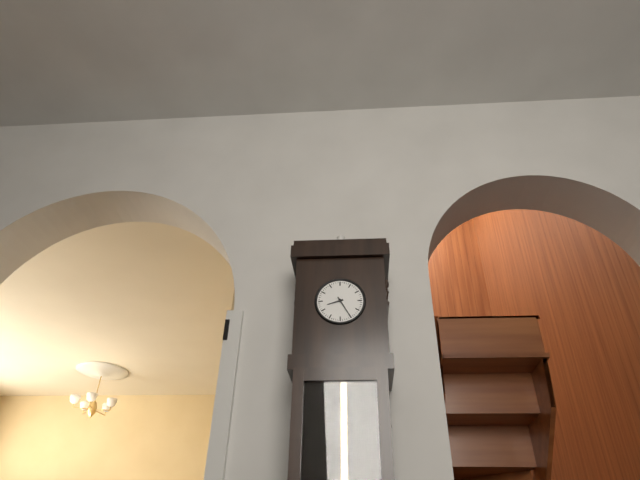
8:25
